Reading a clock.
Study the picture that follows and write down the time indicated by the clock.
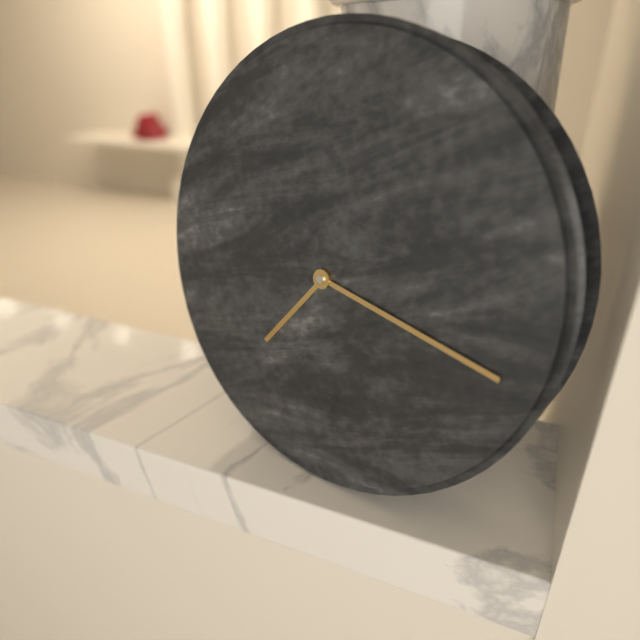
7:17
